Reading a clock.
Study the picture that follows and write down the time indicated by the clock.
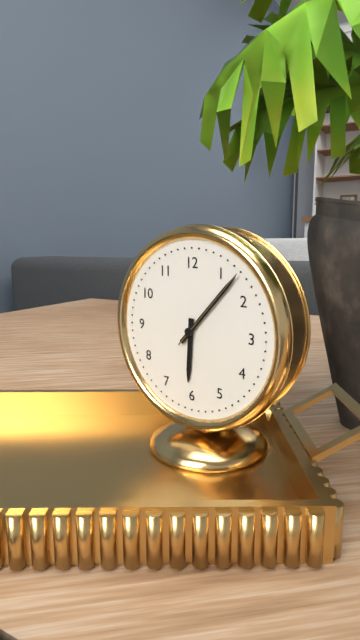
6:07:07
